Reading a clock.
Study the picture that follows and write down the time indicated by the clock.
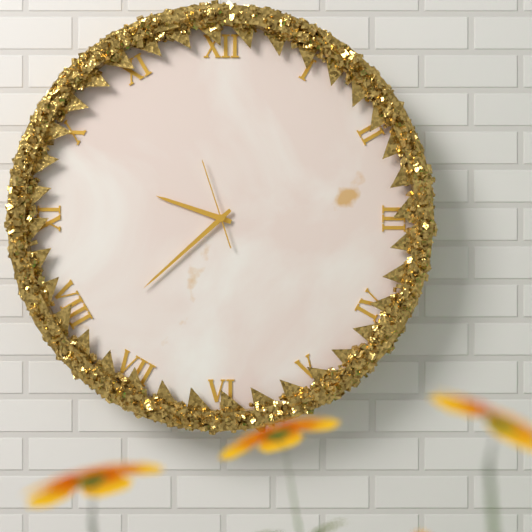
9:38:57
